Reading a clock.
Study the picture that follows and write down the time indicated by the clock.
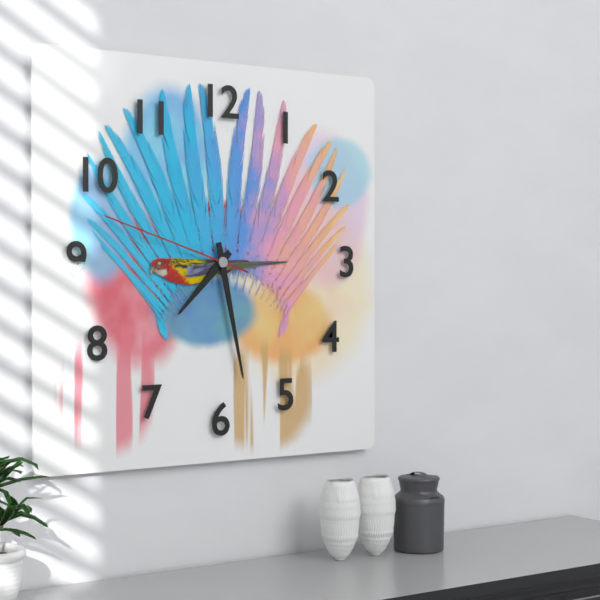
7:28:48
